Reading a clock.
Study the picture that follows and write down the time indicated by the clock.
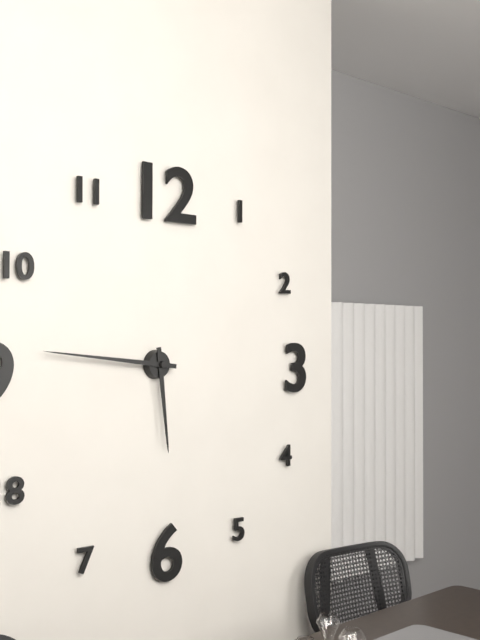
5:46
